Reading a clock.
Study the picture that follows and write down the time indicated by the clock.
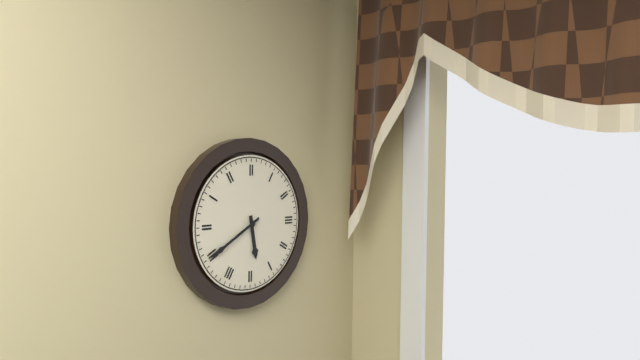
5:40
